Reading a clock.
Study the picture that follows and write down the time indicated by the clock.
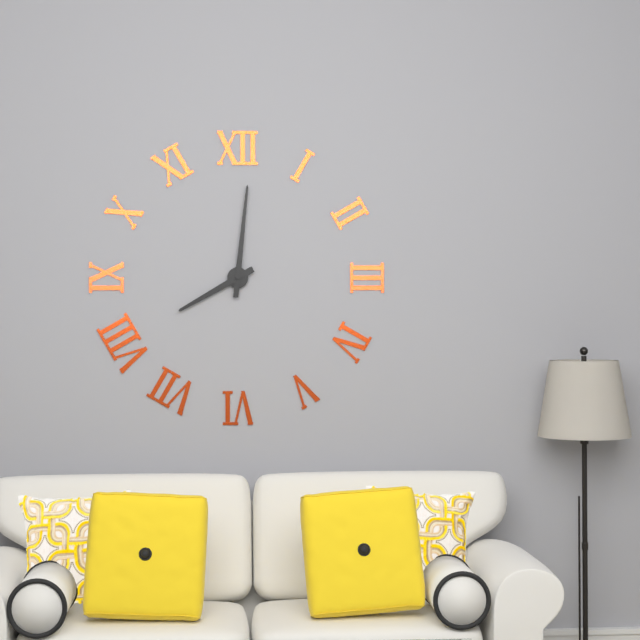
8:01
